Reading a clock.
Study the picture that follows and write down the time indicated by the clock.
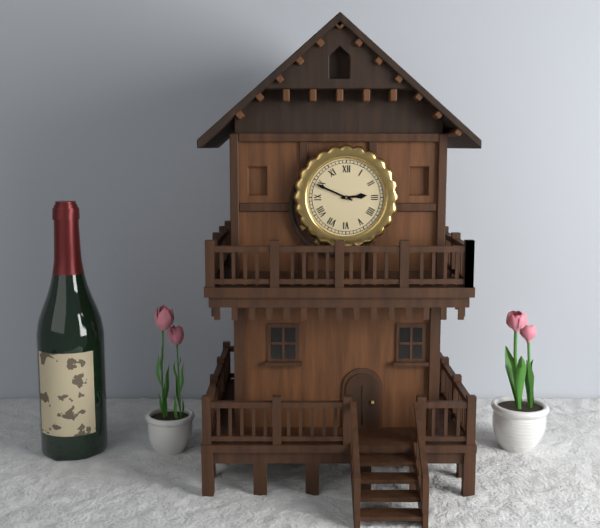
2:49
